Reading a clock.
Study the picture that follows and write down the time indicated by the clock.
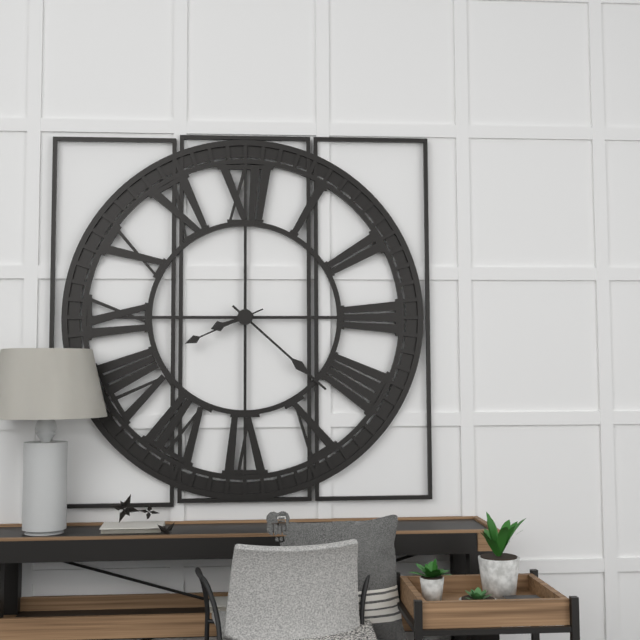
8:22:41
